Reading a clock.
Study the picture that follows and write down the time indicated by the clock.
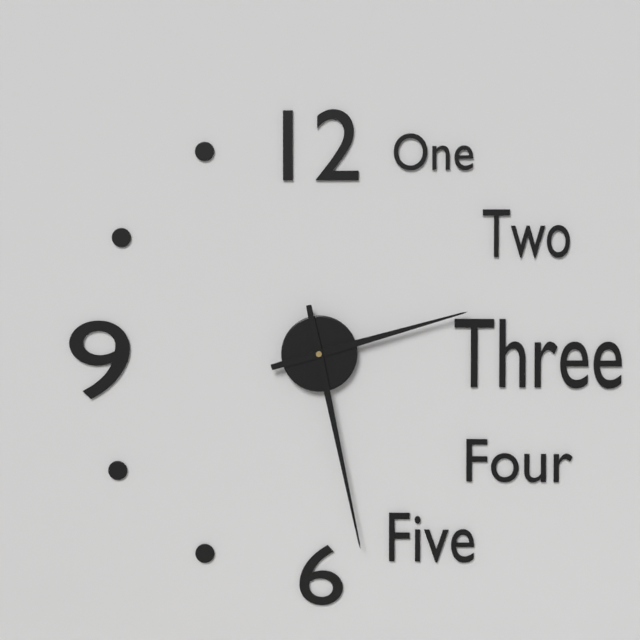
2:28
